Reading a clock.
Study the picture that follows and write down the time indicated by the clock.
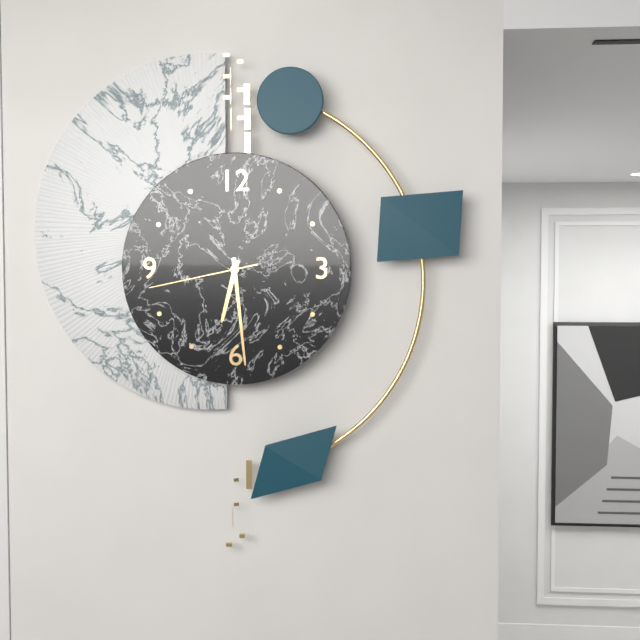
6:29:43
